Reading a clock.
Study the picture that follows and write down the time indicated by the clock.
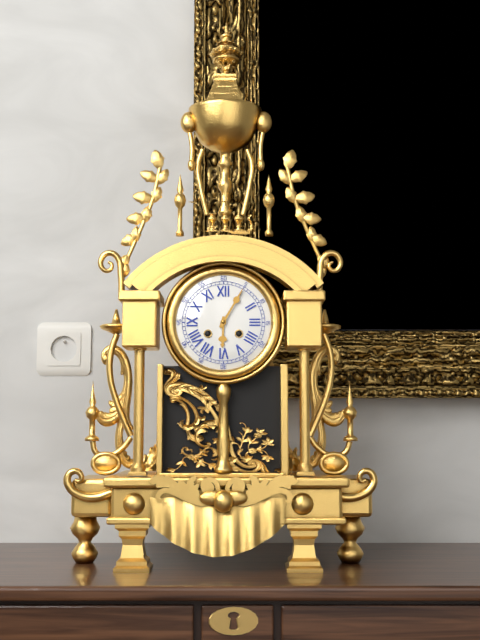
6:05
